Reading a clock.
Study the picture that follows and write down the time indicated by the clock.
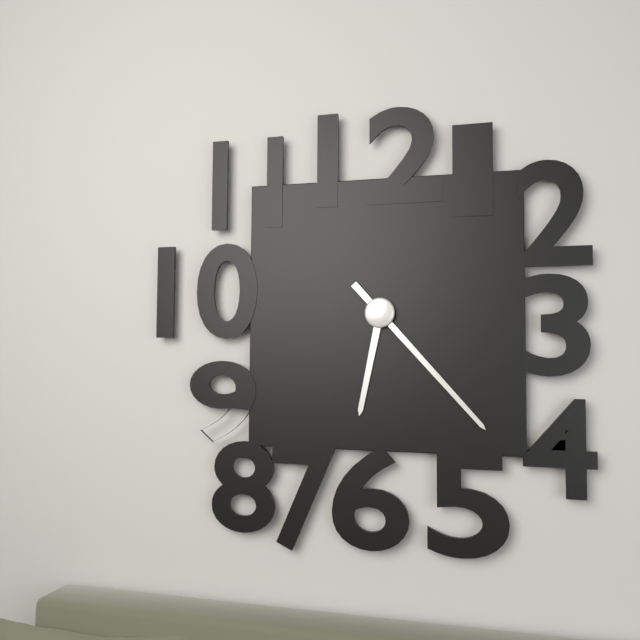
6:23
